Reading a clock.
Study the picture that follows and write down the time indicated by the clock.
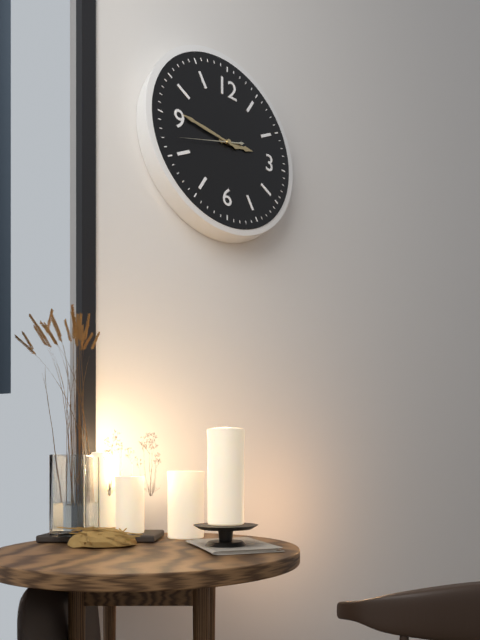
2:46:42
